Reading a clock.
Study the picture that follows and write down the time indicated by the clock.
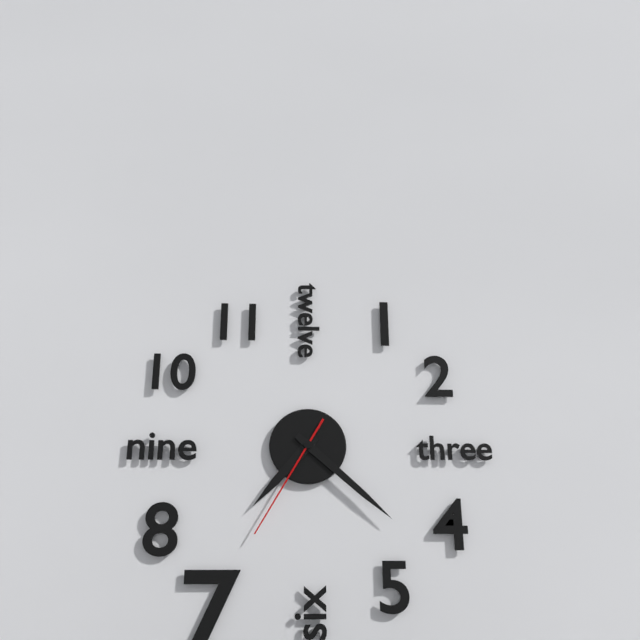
7:22:35
